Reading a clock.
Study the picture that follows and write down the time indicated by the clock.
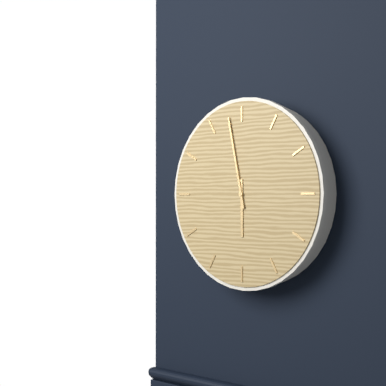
5:58
